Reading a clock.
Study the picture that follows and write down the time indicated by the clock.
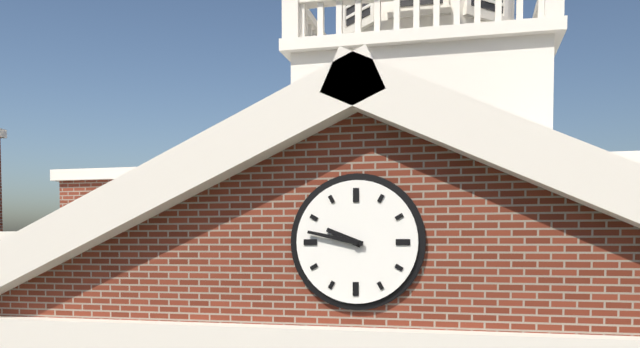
9:47
